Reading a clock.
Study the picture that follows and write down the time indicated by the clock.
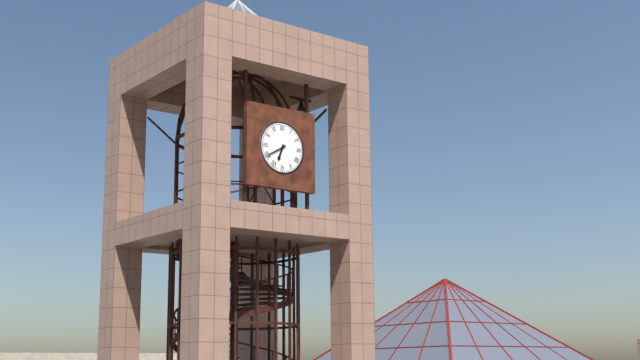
6:40
